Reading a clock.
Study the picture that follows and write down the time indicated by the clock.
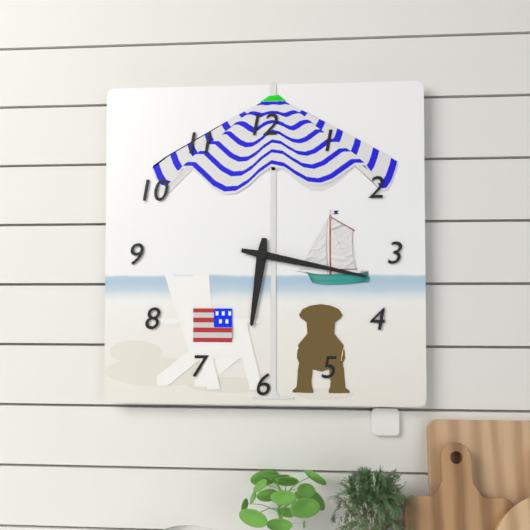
6:17
